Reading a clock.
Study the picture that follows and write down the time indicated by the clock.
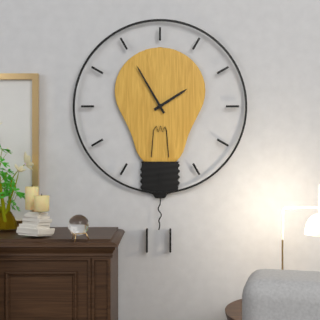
1:55
